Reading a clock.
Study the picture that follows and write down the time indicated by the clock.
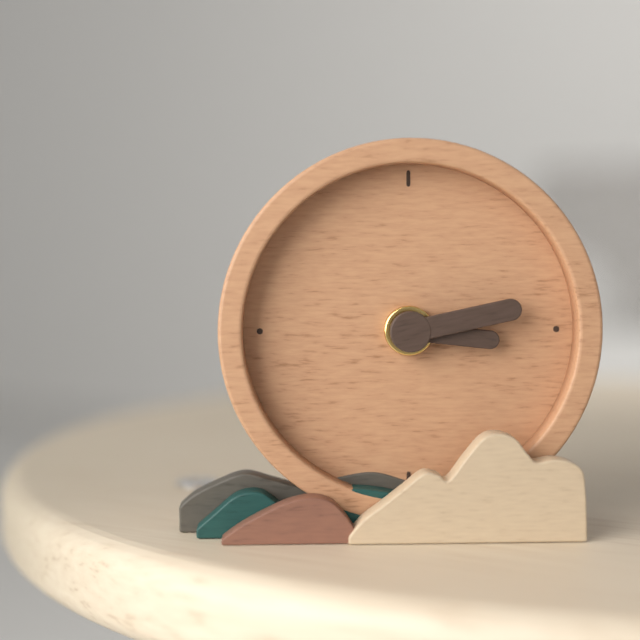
3:13
